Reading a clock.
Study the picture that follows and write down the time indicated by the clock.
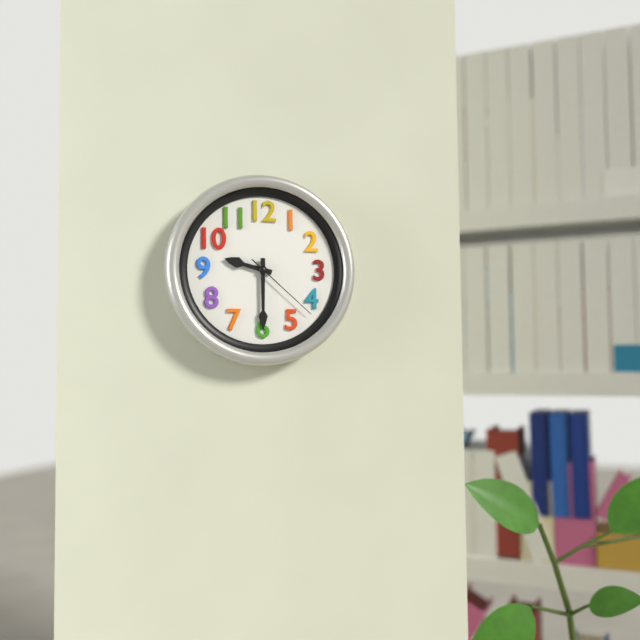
9:30:22
